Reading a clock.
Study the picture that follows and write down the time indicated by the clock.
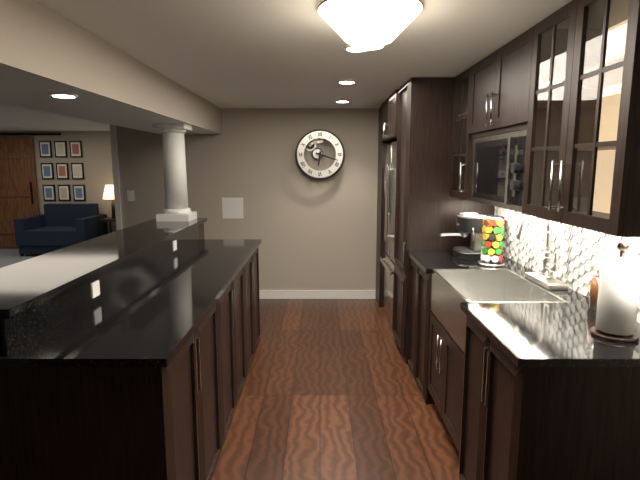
6:18
